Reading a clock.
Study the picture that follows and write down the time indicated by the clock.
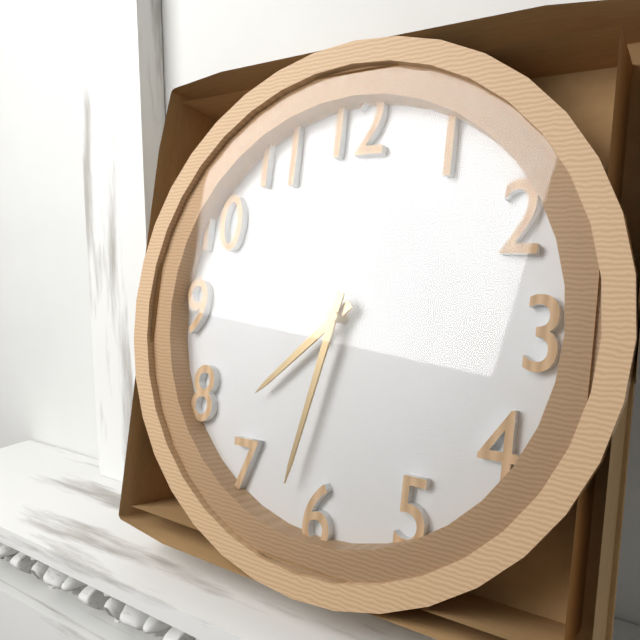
7:32
